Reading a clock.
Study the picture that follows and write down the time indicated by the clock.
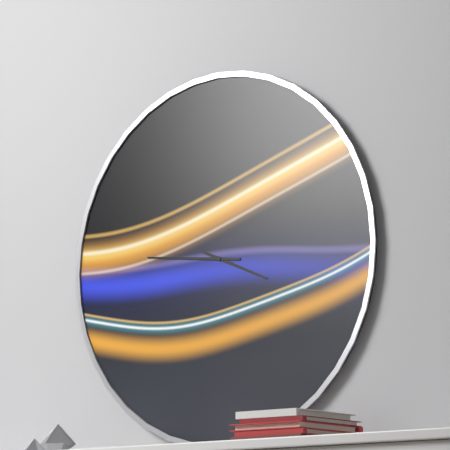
3:46
